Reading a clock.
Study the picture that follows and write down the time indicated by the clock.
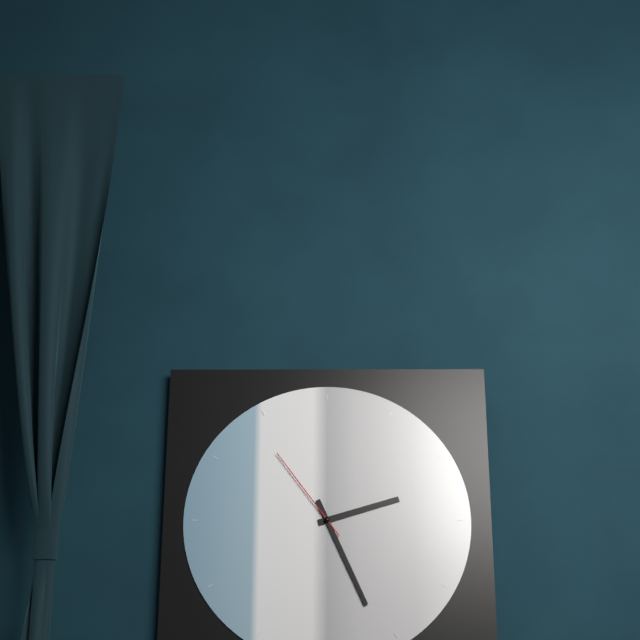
2:26:54
